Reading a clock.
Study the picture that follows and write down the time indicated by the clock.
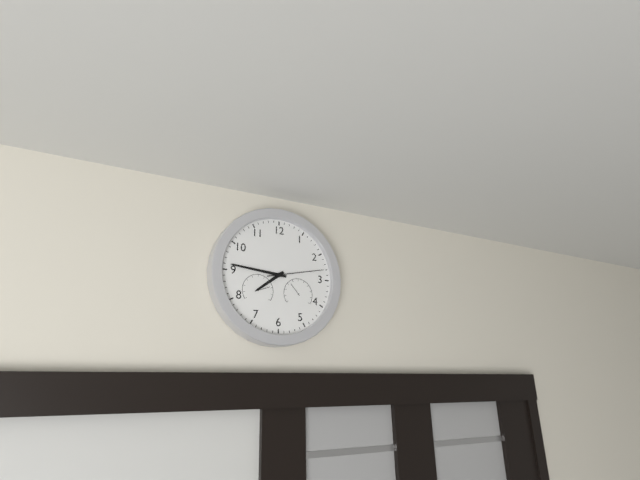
7:46:13
